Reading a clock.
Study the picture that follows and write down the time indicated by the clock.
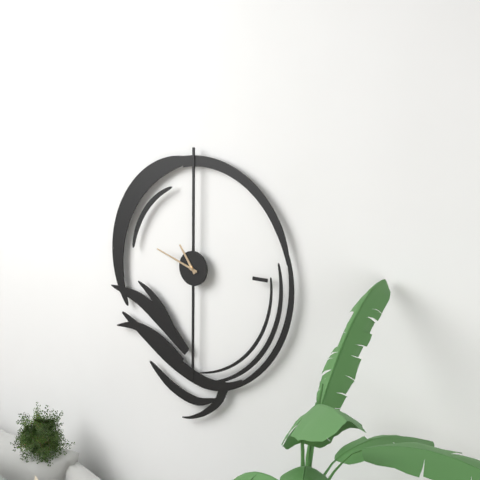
10:48
